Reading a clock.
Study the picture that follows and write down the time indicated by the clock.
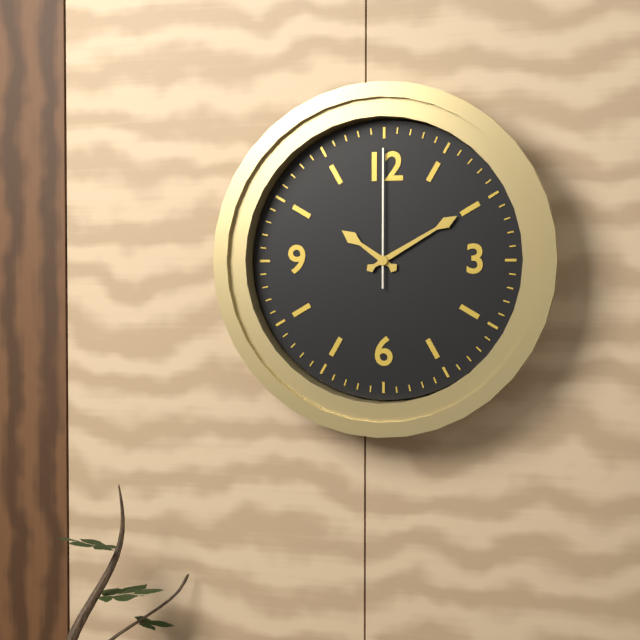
10:10:00
